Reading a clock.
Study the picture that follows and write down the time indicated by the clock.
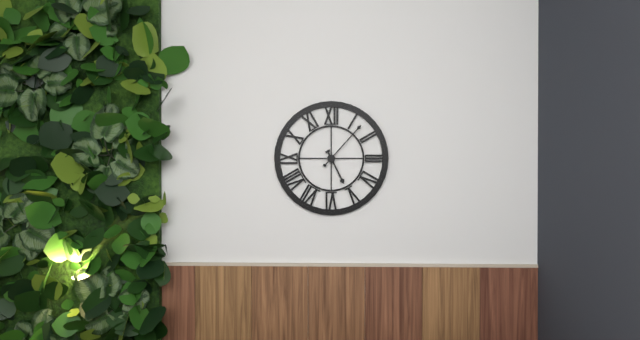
5:07
